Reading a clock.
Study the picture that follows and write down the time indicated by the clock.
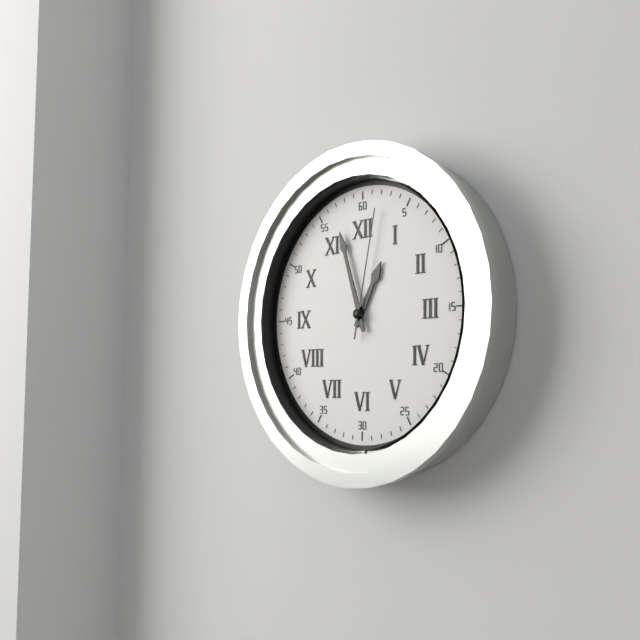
12:57:02
